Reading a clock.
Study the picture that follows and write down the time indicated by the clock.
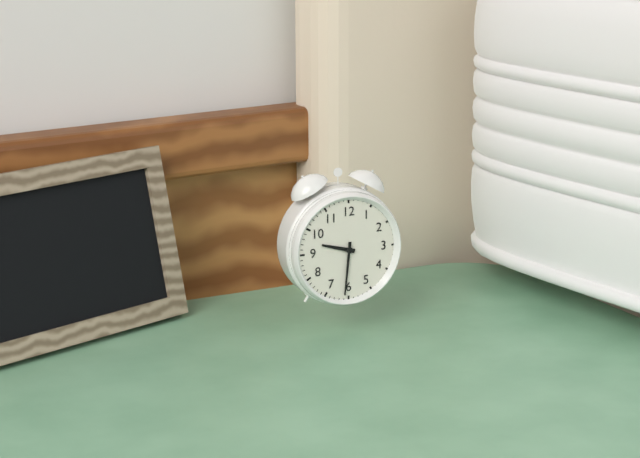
9:31
